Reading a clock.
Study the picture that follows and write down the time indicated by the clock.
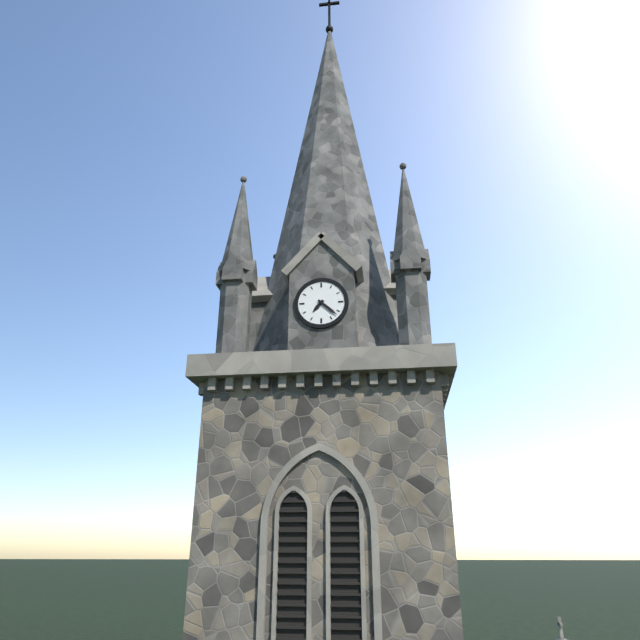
7:22
